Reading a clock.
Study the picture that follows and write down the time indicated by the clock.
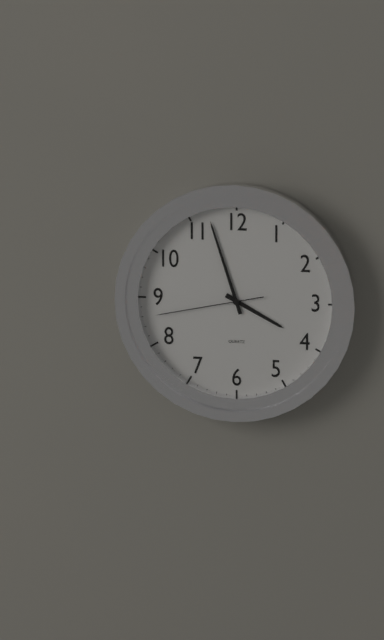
3:57:43
